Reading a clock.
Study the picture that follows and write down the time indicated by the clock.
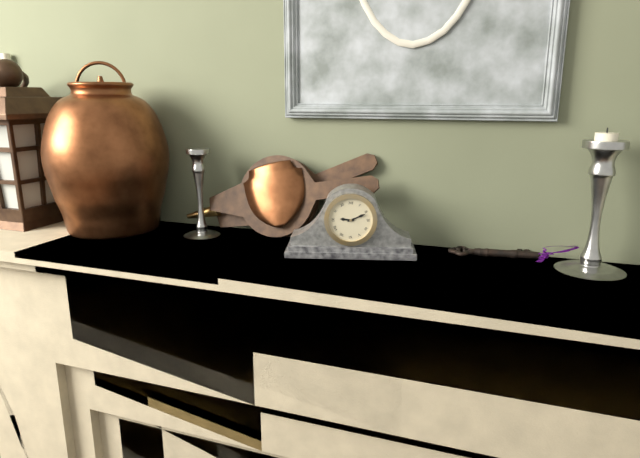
9:11
